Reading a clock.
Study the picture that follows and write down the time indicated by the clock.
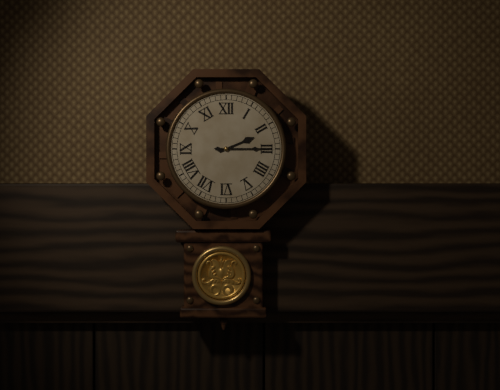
2:15
